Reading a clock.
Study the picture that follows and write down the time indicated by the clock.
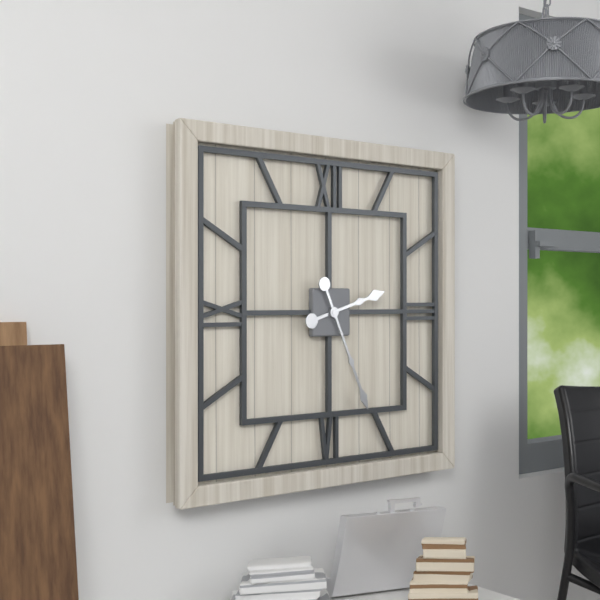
2:26
